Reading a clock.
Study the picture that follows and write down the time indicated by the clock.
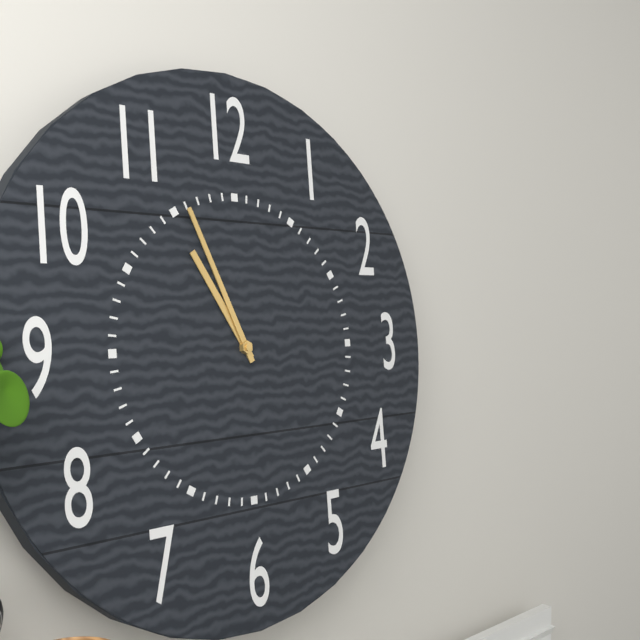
10:56
